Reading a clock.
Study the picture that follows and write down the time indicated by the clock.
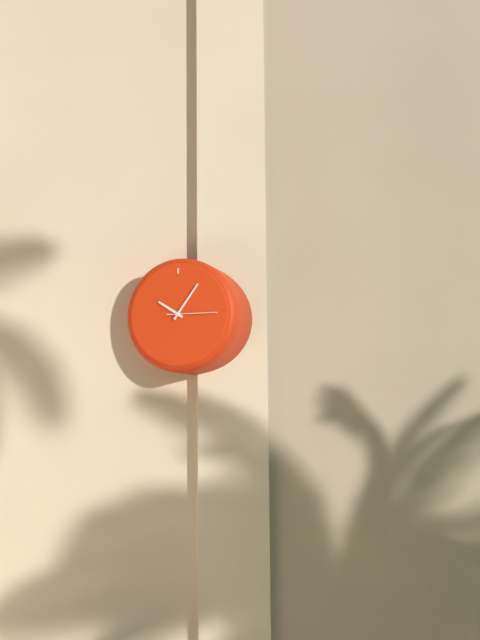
10:06:15
